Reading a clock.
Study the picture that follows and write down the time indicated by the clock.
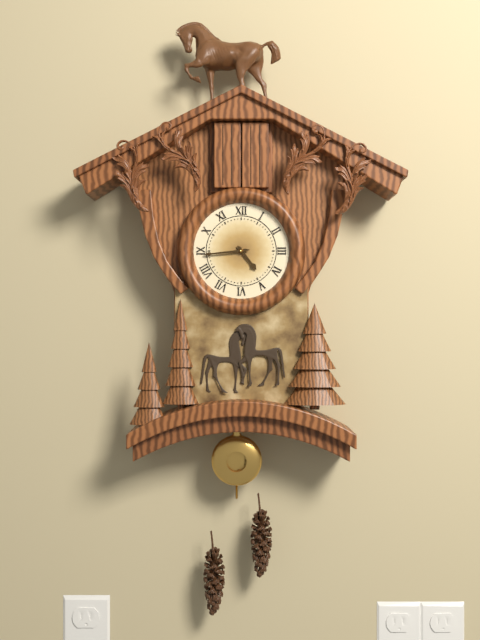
4:44
